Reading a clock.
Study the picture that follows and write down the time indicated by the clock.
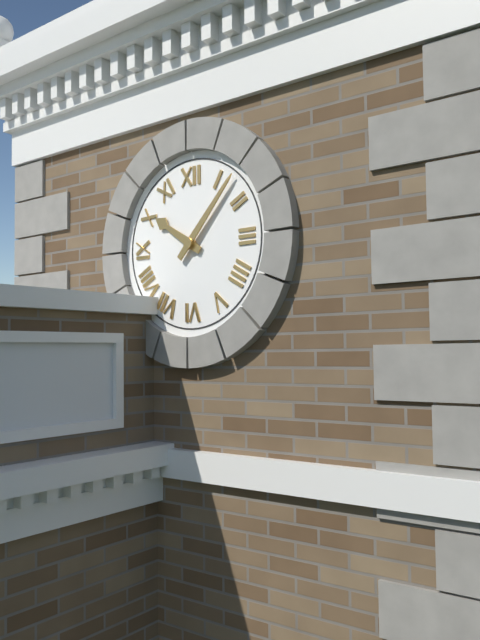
10:07
